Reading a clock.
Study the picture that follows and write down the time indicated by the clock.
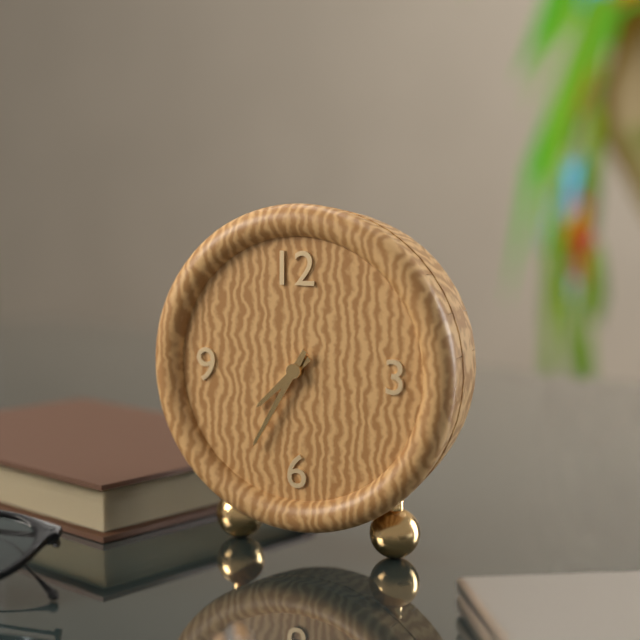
7:35
